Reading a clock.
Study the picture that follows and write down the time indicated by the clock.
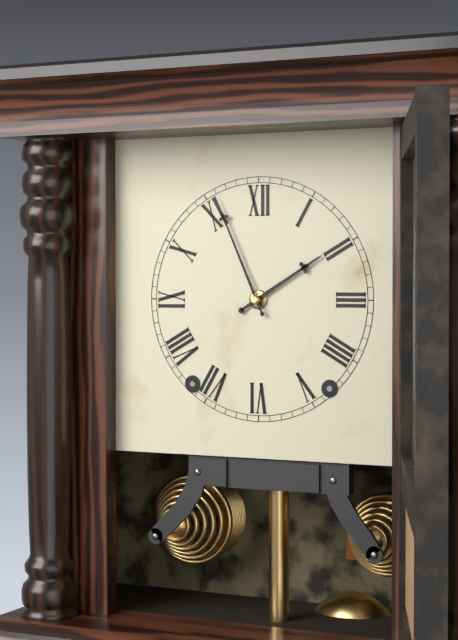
1:56
